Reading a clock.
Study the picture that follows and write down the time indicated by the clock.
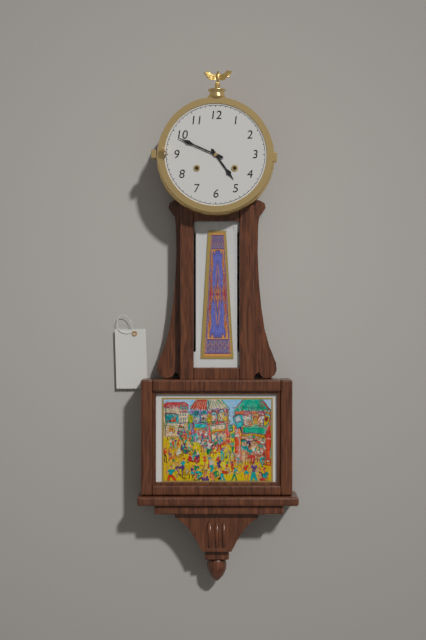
4:49
